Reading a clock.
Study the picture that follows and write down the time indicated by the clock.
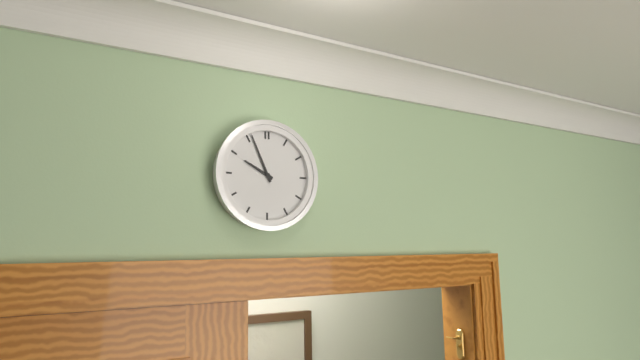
9:56
